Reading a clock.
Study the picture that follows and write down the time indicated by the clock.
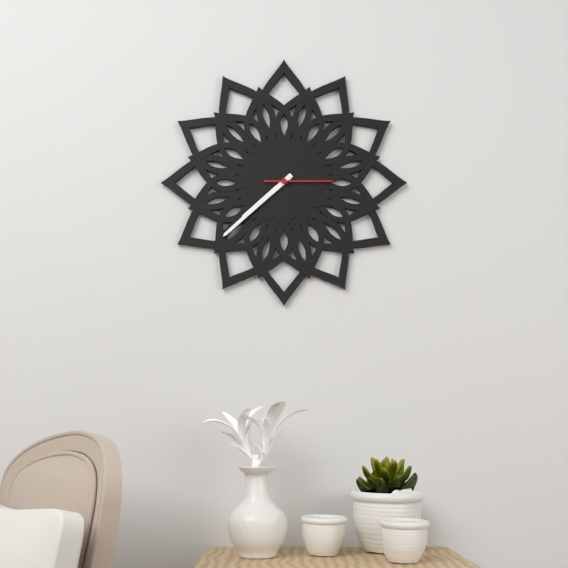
7:38:15
